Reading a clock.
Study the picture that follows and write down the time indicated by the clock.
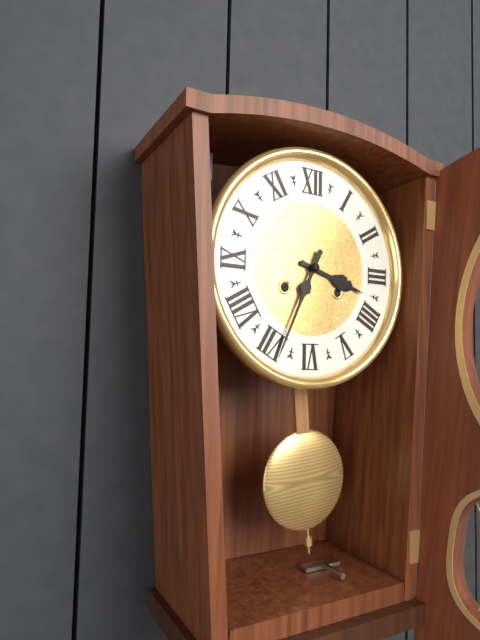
3:34
